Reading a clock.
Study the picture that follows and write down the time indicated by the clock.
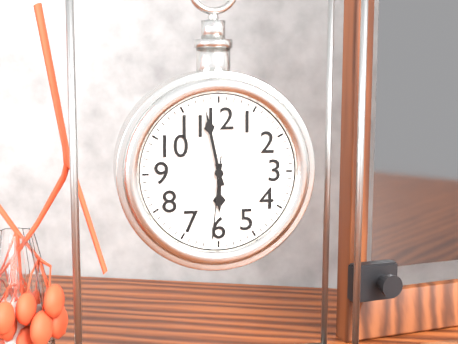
5:58:31
